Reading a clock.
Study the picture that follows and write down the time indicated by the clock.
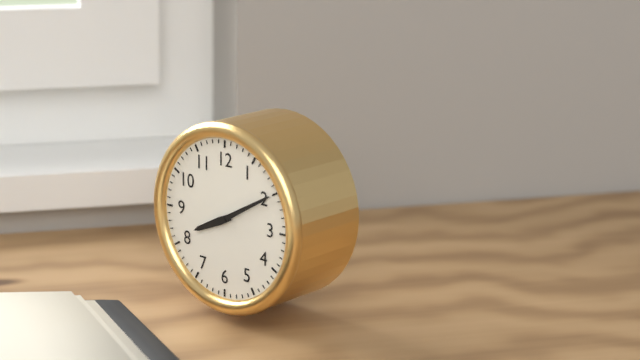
8:10
